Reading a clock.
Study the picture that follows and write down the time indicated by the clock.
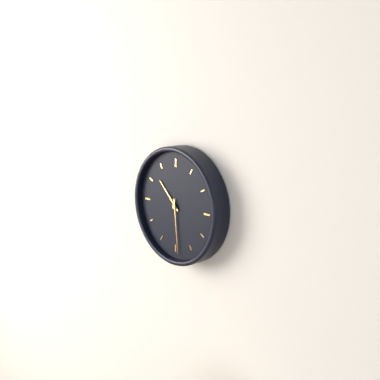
10:29
